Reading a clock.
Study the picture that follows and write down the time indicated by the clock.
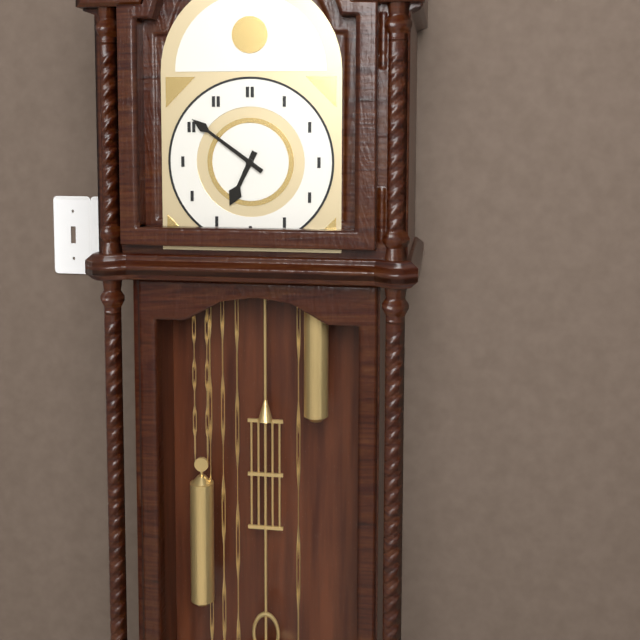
6:51
